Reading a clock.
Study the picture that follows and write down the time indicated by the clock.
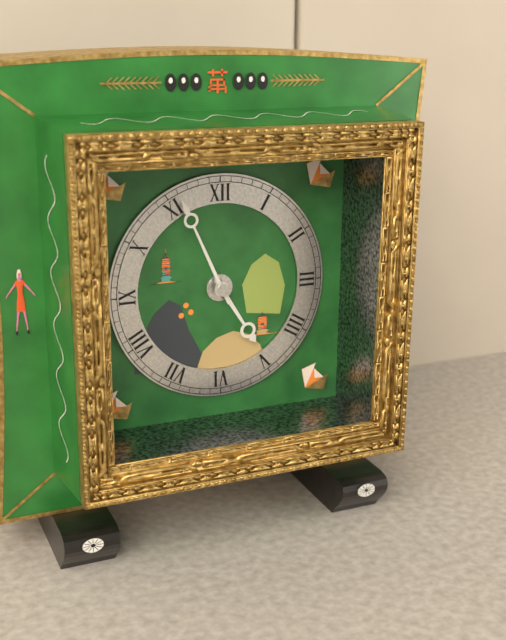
4:56
